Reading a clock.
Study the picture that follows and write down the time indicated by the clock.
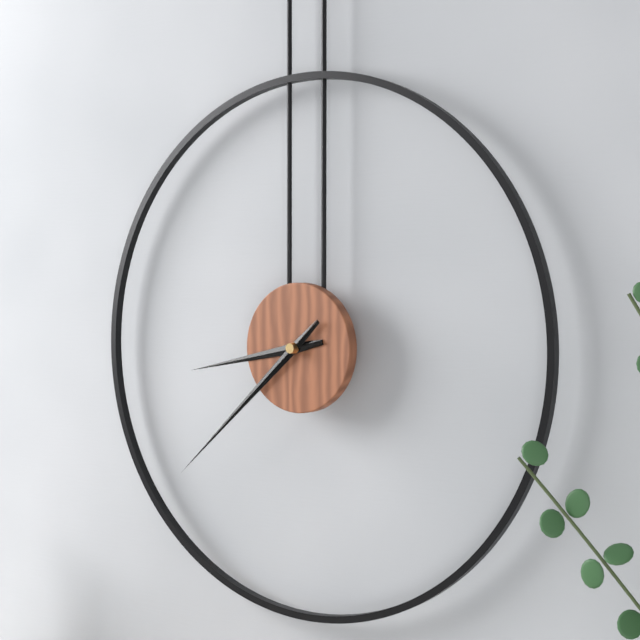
8:38
